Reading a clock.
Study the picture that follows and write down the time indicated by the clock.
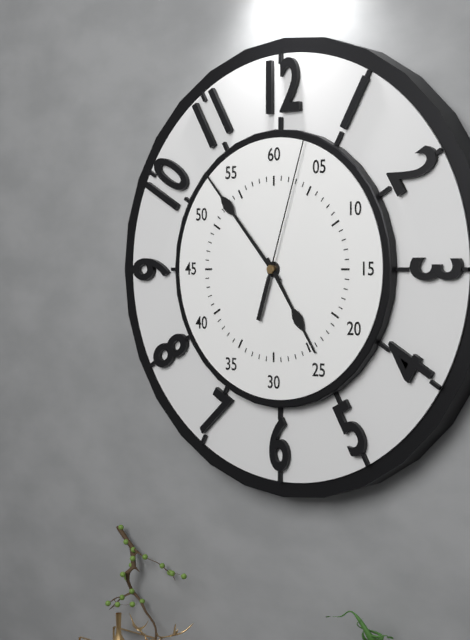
4:53:03
